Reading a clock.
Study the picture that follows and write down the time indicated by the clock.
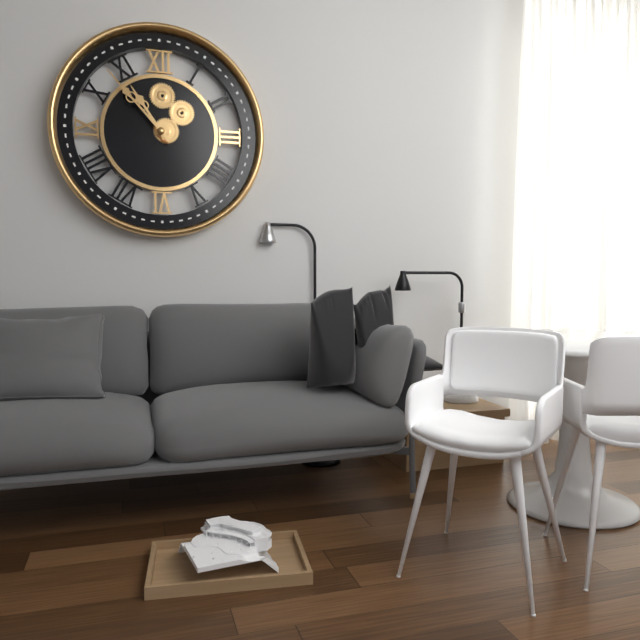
10:53
